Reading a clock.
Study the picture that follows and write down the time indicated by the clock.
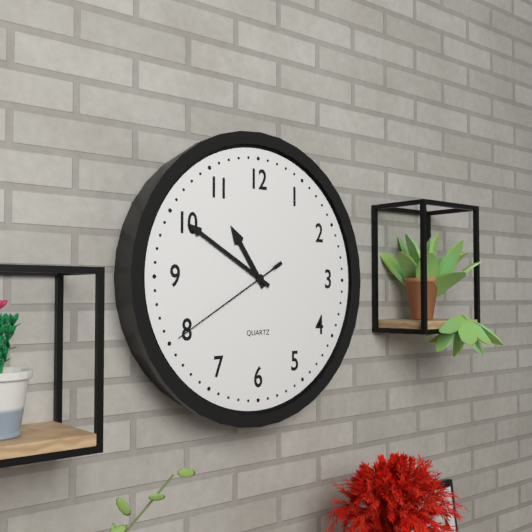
10:50:40
